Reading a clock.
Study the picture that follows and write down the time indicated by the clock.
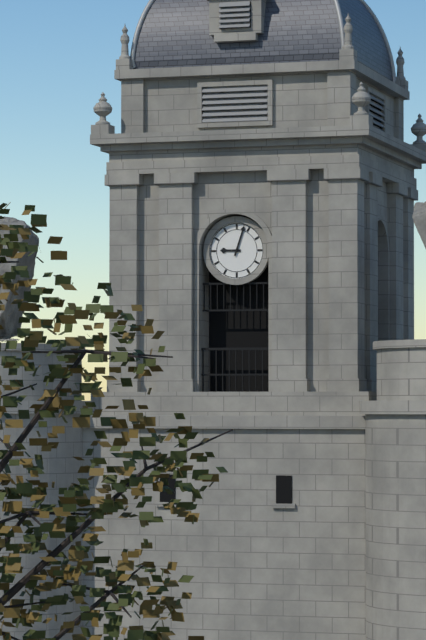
9:03
